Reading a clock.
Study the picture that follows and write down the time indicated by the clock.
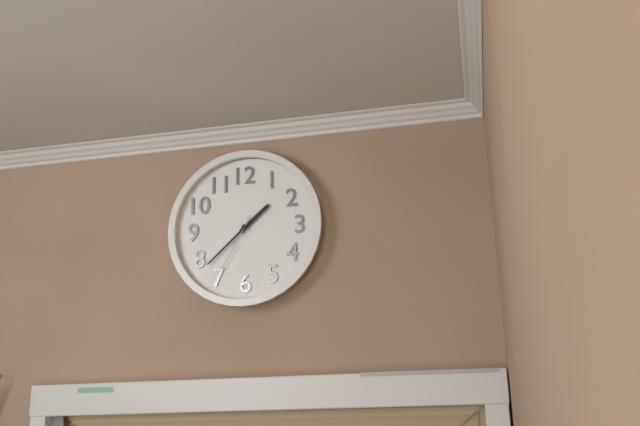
1:38:35
